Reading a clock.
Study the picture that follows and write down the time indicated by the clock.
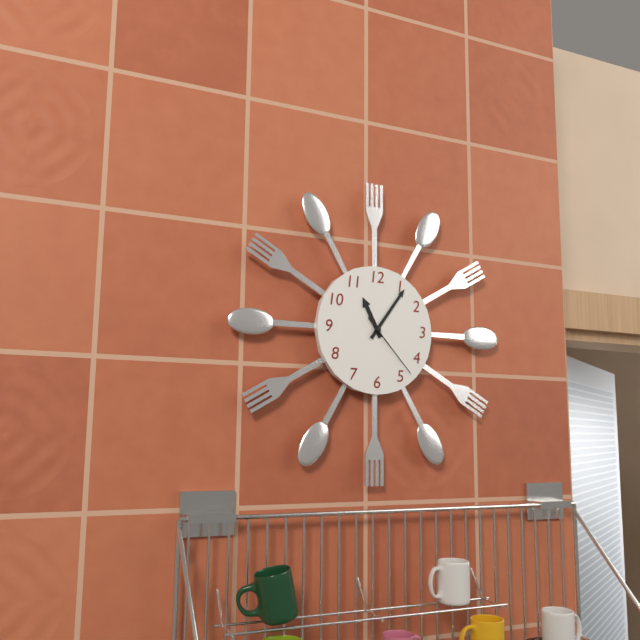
11:06:23
